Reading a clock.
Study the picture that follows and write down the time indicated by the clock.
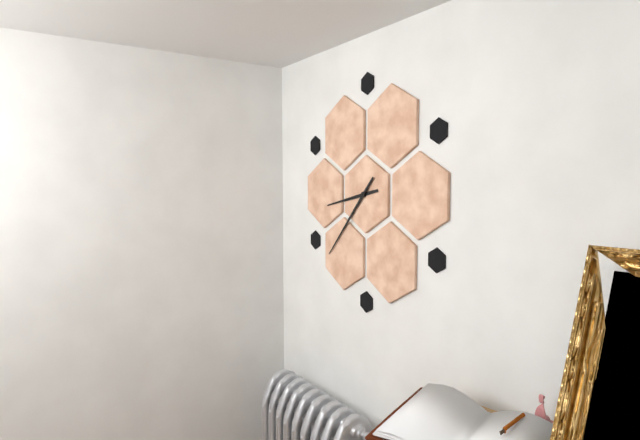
8:37
